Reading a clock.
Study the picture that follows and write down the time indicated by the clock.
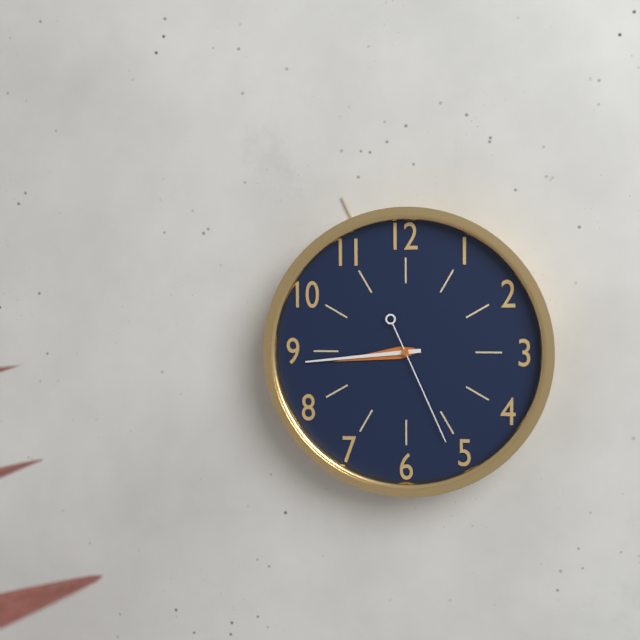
8:44:26
